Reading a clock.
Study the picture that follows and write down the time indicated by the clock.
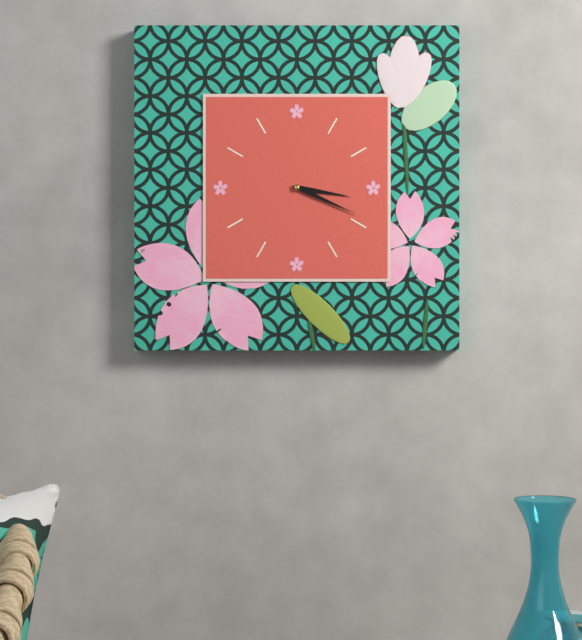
3:19
